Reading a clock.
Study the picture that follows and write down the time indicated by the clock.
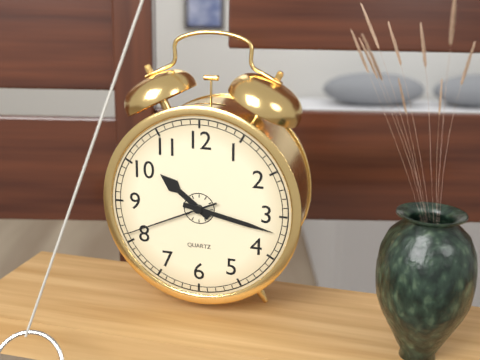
10:17:41
